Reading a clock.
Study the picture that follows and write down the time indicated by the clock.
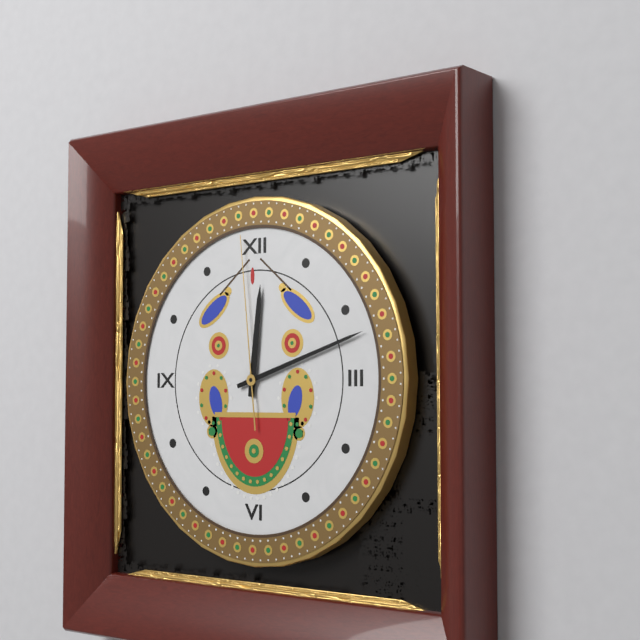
12:12:59
